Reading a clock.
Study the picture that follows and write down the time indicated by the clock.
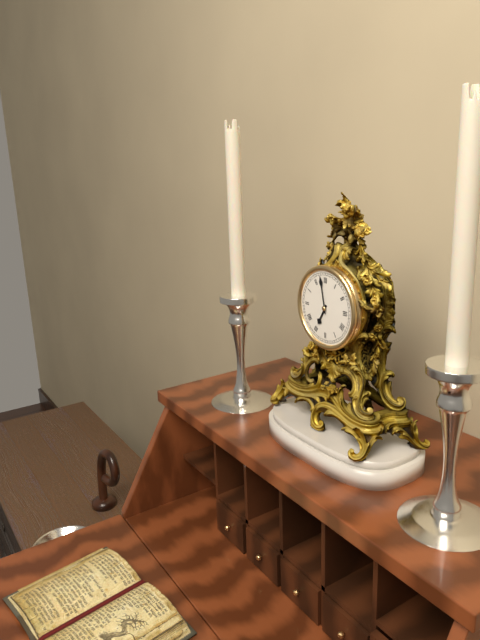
6:58
